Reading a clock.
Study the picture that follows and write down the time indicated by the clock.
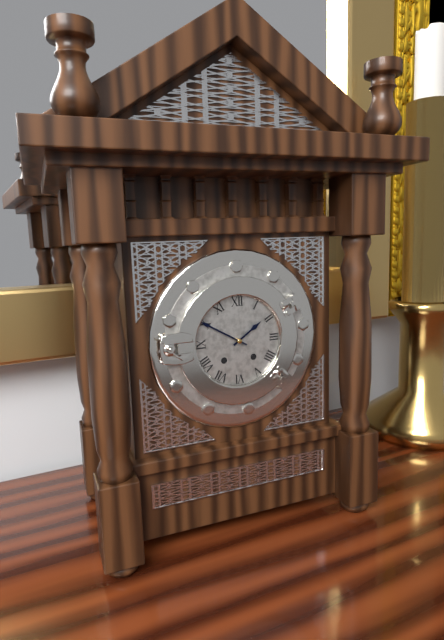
1:50
